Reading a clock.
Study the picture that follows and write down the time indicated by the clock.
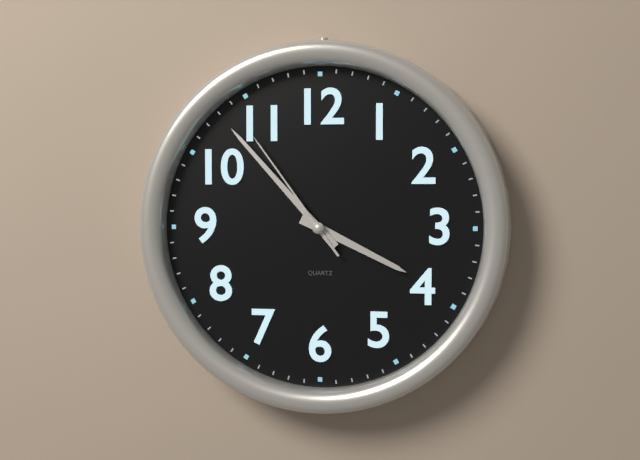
3:53:54
